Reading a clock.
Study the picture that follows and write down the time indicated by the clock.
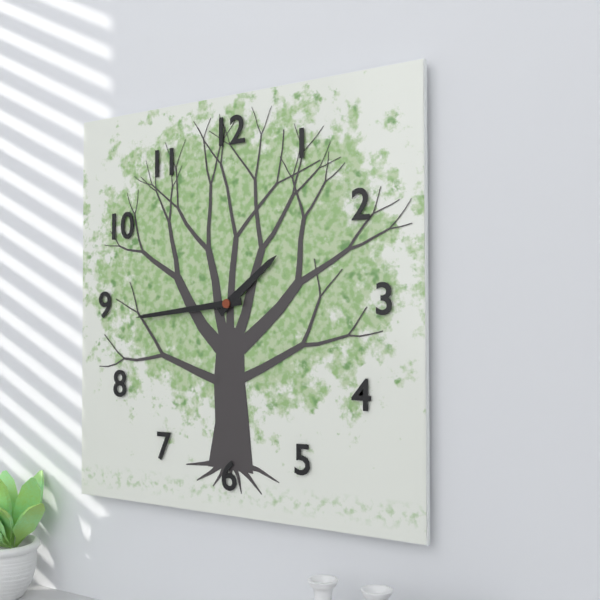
1:44
